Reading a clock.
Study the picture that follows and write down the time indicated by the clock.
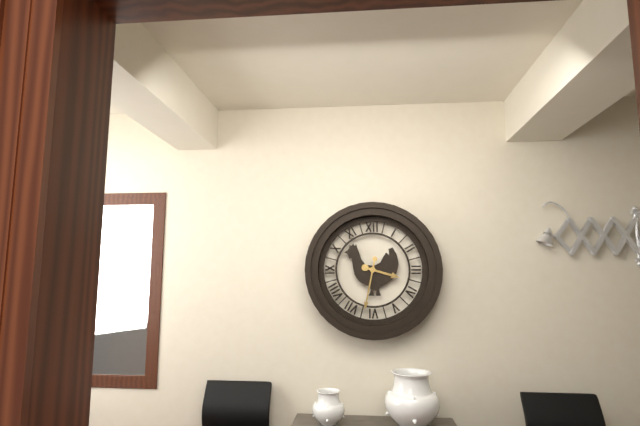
3:32
